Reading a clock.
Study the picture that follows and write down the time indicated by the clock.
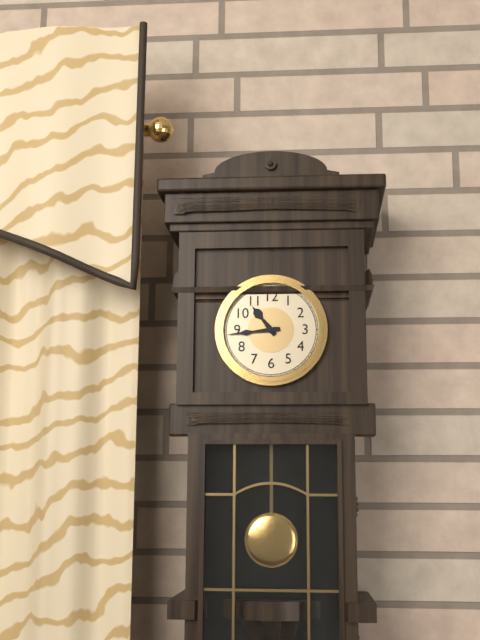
10:44
